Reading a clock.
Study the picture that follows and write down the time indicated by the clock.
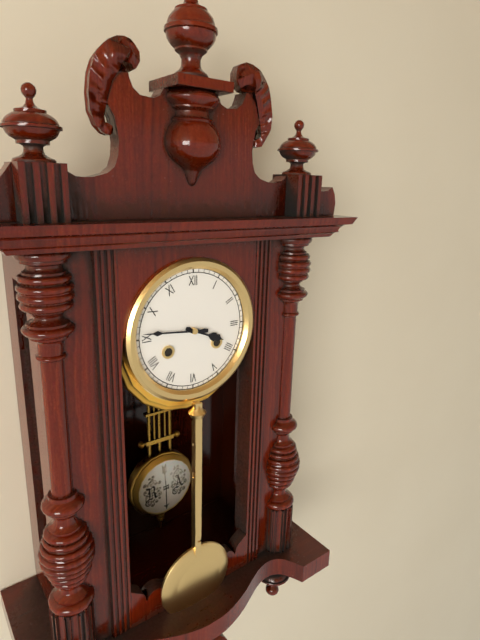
3:46
